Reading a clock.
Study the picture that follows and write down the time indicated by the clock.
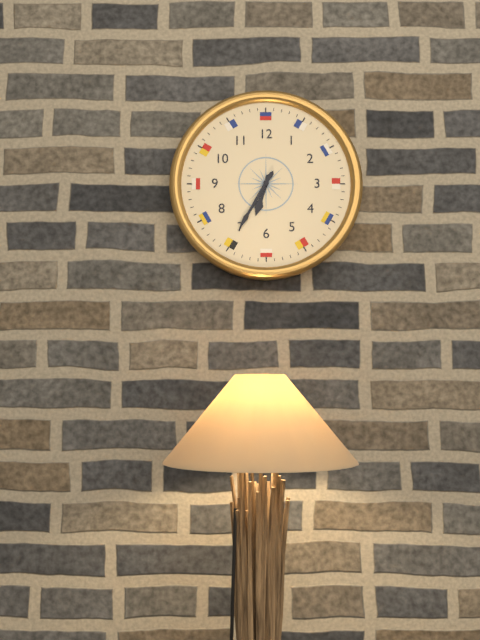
6:35
